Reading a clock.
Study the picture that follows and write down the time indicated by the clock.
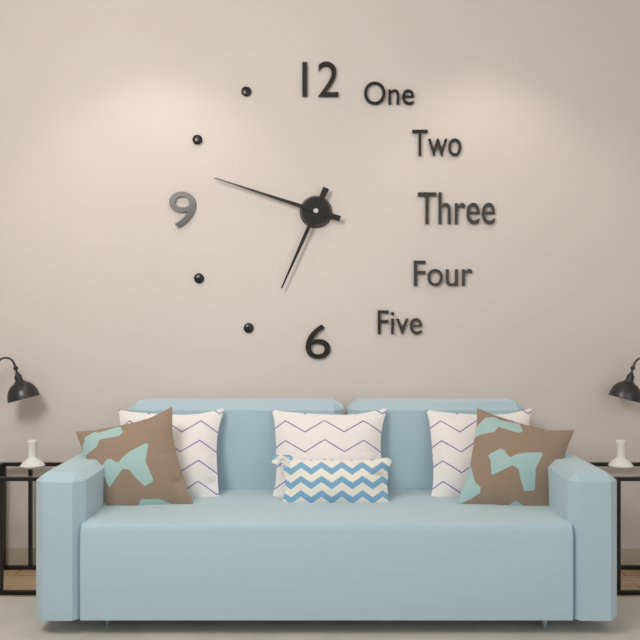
6:48
